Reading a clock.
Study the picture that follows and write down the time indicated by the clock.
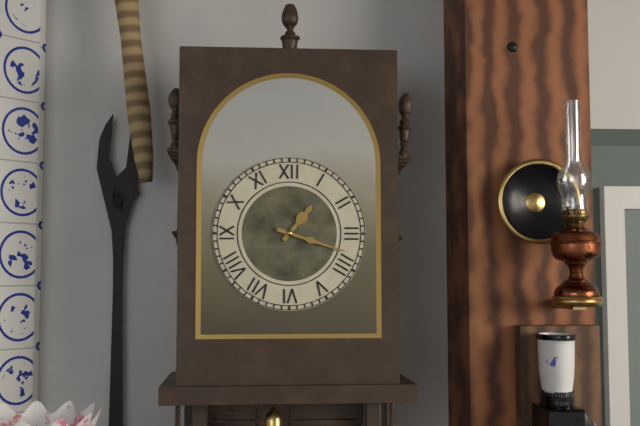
1:18
